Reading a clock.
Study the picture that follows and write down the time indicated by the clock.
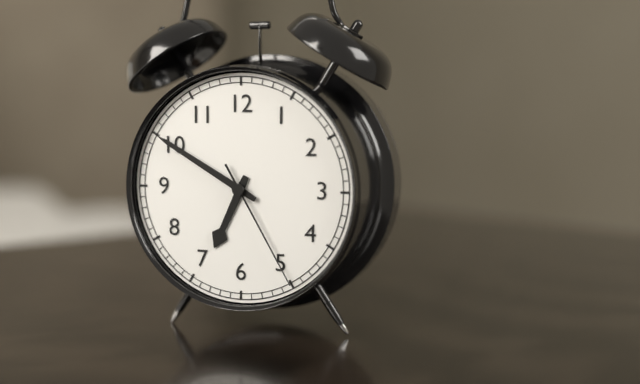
6:50:25
